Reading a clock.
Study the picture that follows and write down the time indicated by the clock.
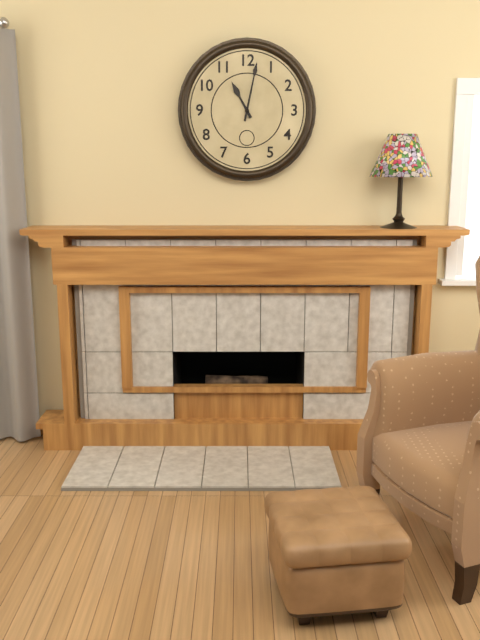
11:02
